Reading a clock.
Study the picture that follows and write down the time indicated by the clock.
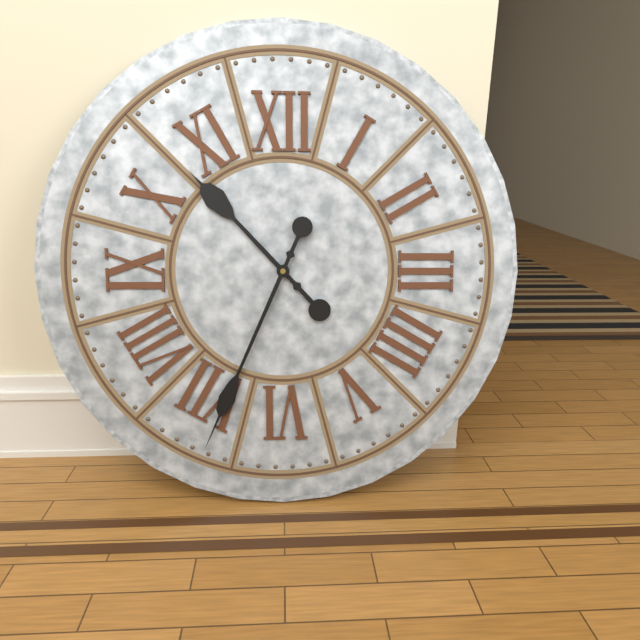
10:34
